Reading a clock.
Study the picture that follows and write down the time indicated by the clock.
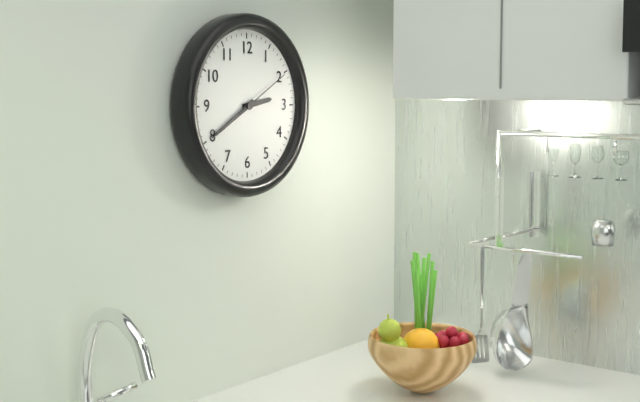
2:40:10
